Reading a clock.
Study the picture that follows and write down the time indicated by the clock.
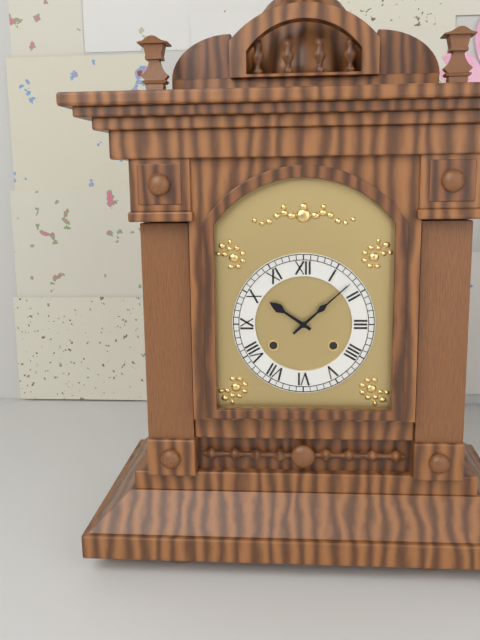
10:08
